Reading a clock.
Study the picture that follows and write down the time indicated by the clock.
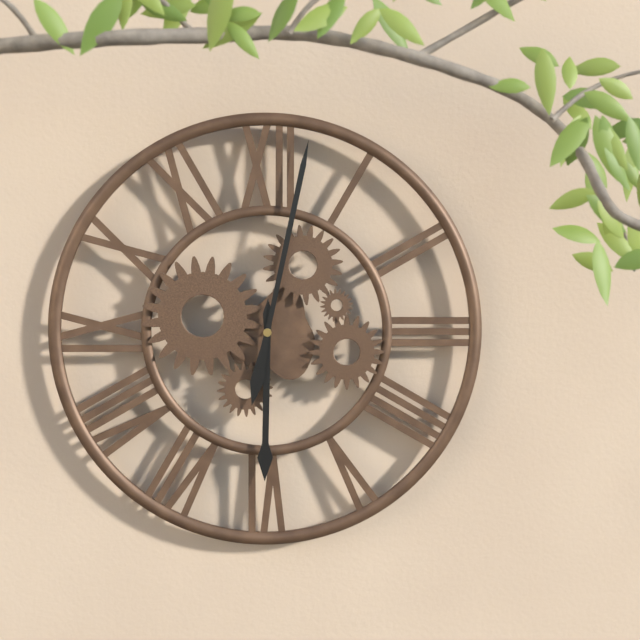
6:02
